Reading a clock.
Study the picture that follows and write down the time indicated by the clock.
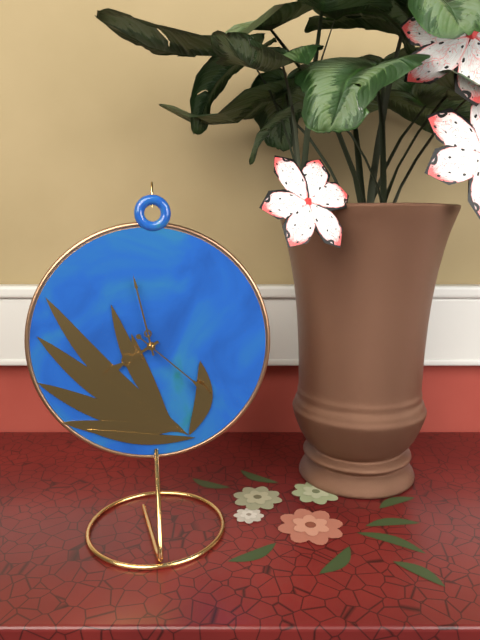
7:58:22
